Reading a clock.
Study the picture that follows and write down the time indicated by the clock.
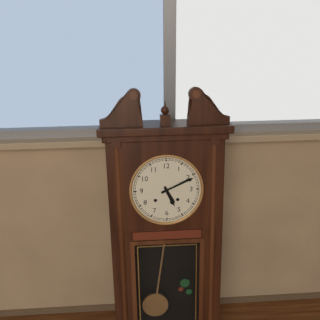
5:11
